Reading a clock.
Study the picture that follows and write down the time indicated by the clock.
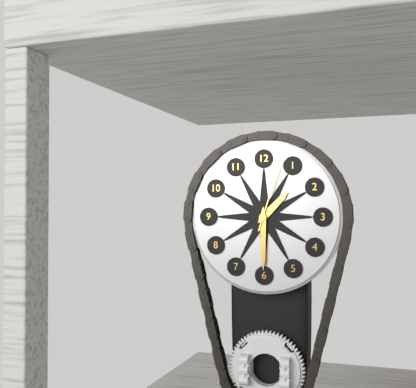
1:30:03
